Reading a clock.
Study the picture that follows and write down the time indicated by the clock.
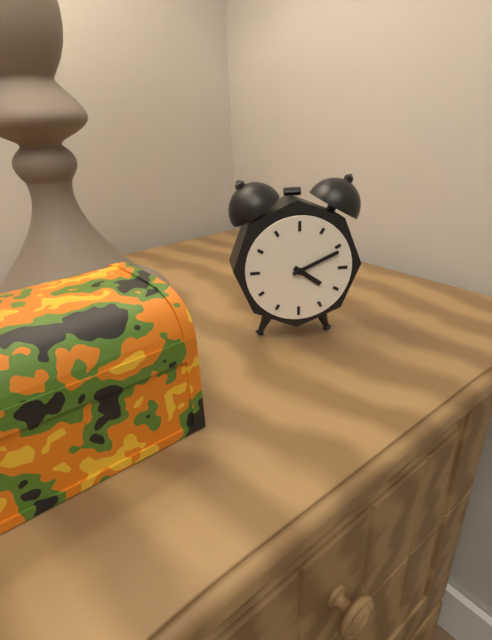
4:11
